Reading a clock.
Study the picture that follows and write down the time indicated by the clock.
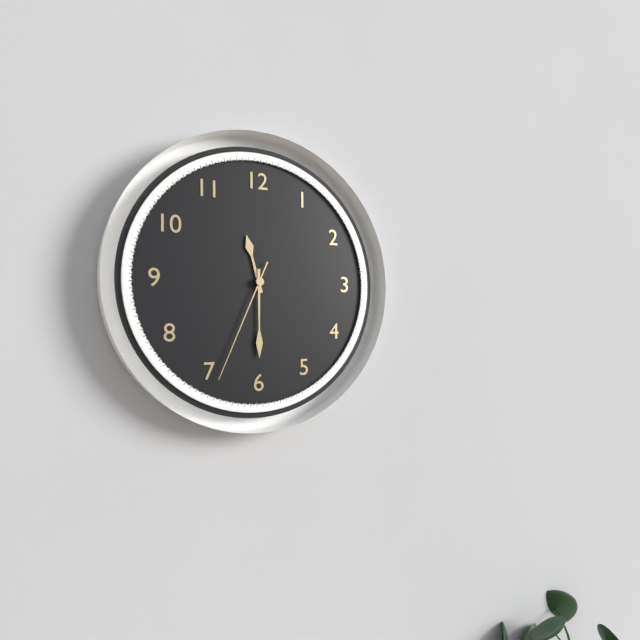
11:30:34
